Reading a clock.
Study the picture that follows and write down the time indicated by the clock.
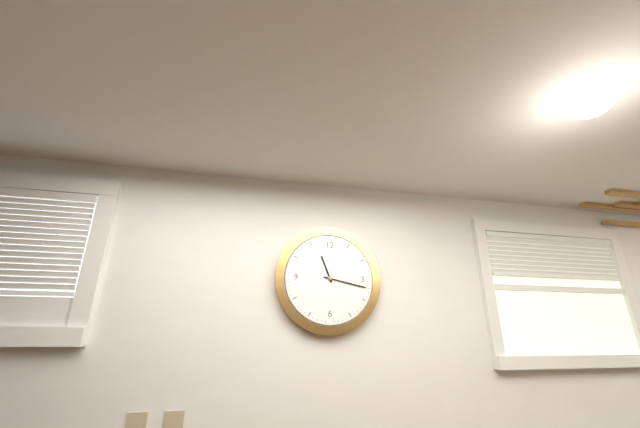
11:17
